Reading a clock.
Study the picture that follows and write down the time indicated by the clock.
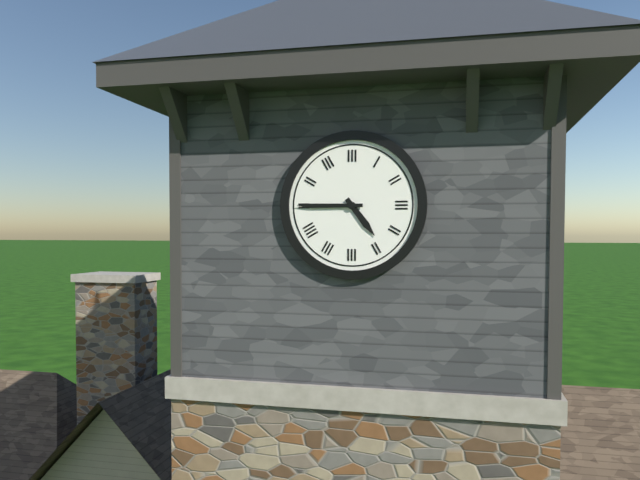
4:45
